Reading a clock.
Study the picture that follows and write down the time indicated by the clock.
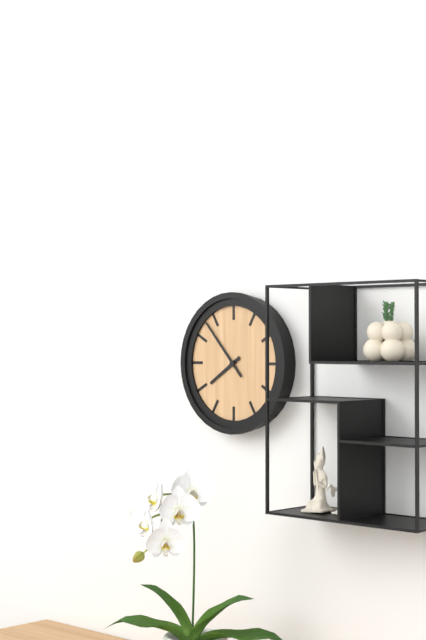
7:53
